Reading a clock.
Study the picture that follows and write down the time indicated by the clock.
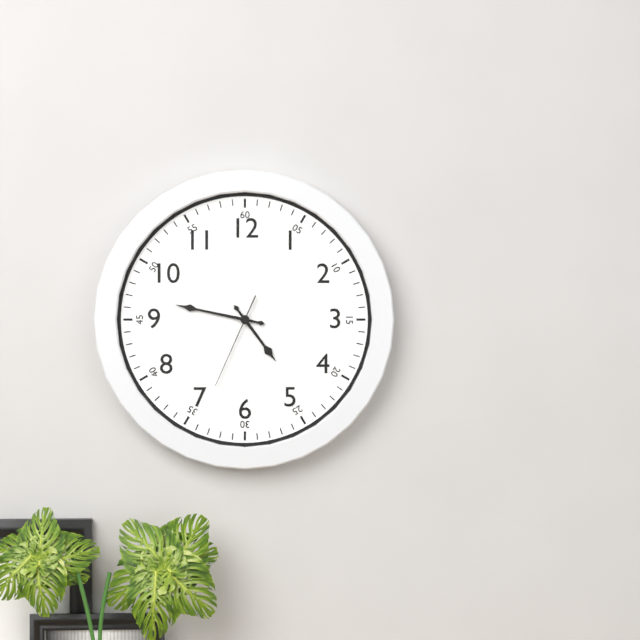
4:47:34
